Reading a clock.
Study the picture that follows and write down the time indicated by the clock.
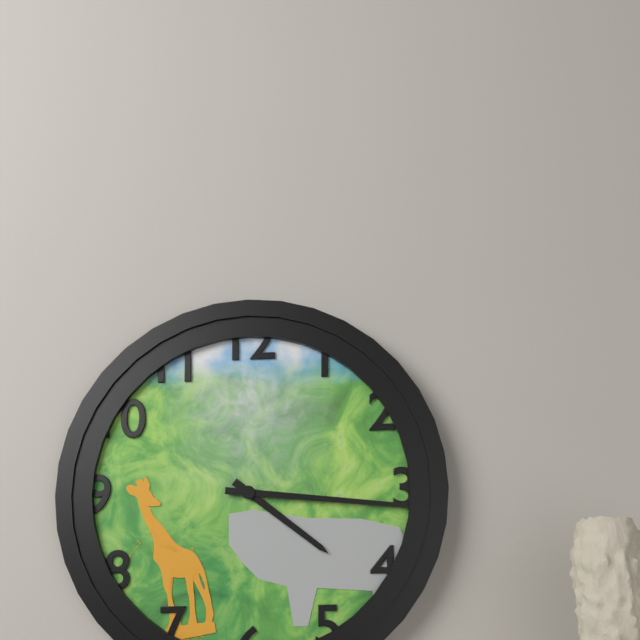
4:16
